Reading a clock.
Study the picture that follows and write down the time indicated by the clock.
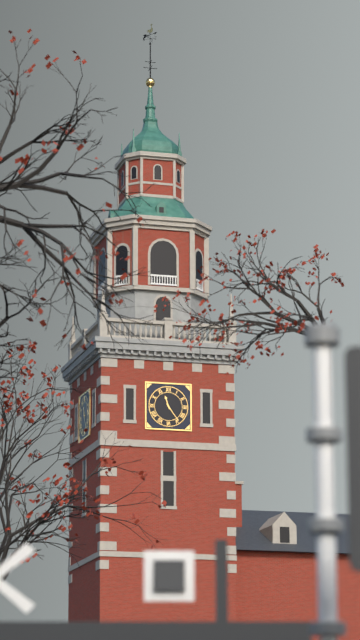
11:24
